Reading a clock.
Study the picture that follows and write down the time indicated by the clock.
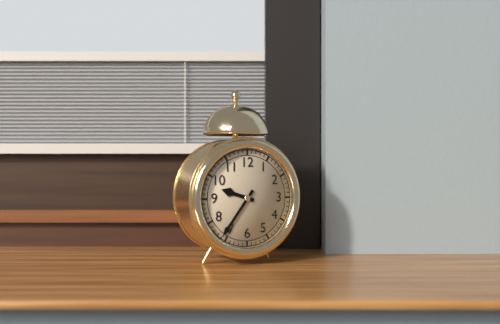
9:36
